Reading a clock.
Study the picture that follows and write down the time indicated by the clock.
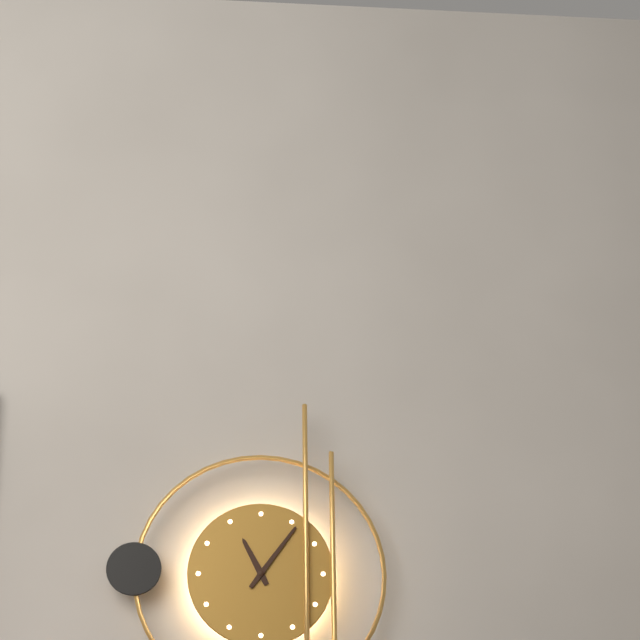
11:06
